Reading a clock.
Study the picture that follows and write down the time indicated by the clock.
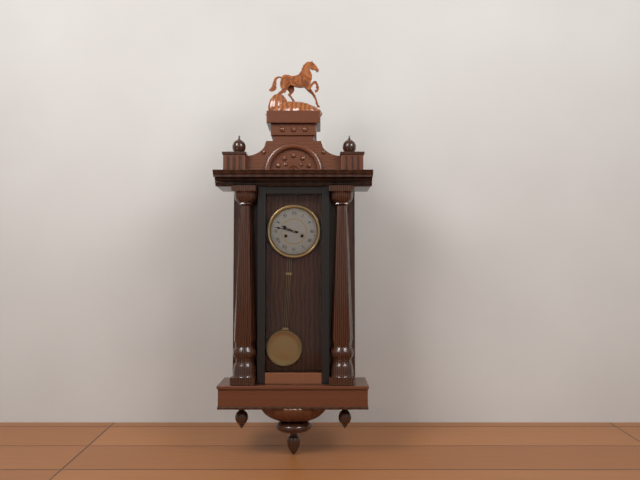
9:47
